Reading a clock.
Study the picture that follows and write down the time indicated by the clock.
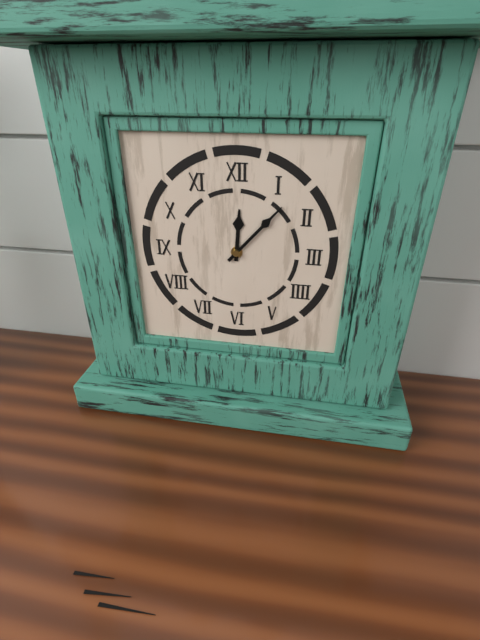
12:07
